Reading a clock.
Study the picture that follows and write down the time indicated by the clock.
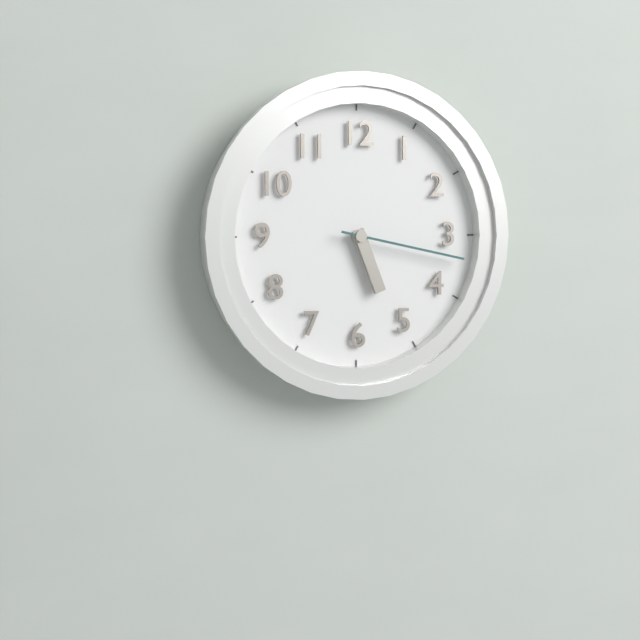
5:17
